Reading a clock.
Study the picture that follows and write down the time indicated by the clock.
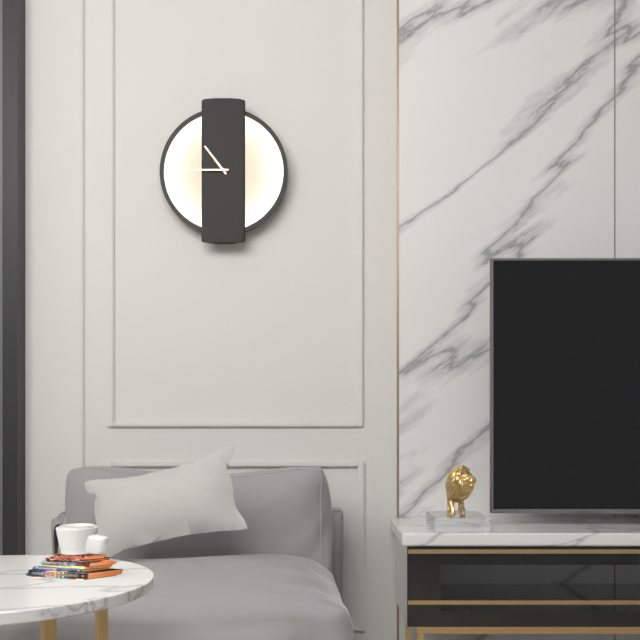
10:45
